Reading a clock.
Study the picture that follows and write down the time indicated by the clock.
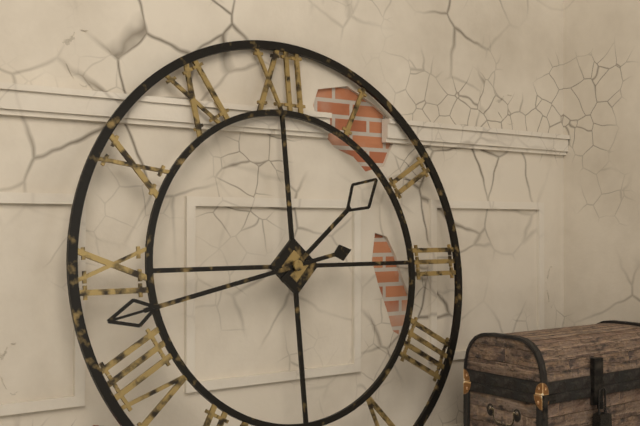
1:43
